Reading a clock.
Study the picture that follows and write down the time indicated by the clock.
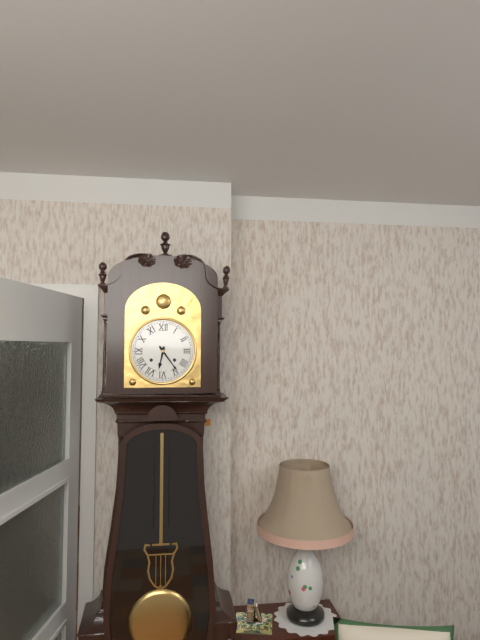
6:24
